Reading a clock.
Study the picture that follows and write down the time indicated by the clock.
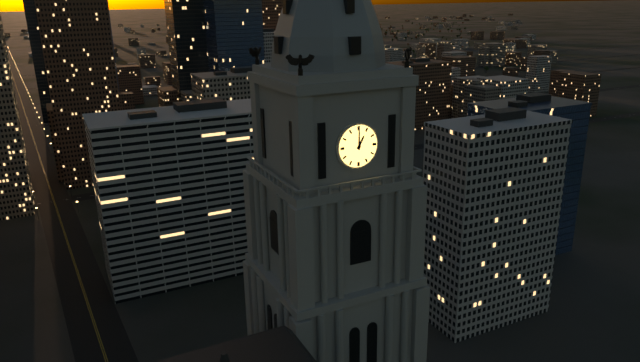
1:00
